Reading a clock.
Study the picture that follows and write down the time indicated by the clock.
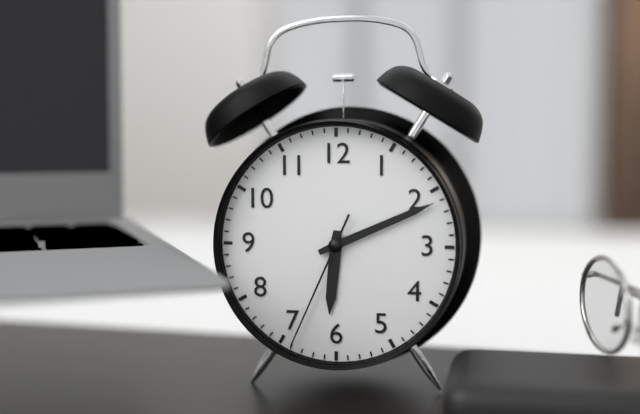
6:11:34
